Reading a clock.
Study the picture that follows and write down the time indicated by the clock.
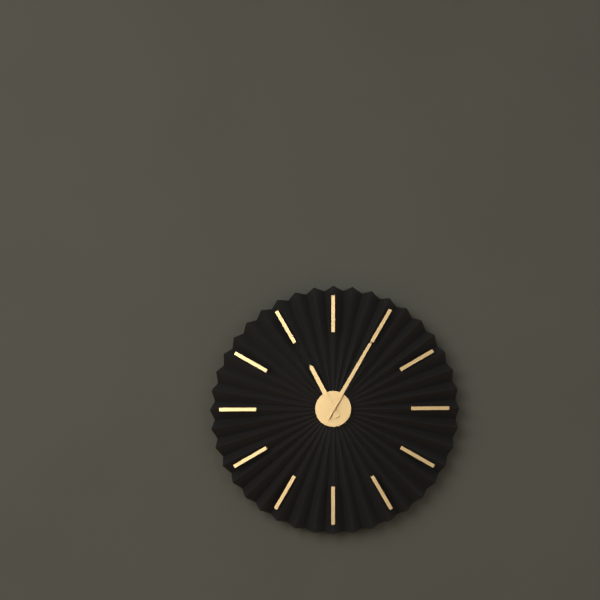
11:05
